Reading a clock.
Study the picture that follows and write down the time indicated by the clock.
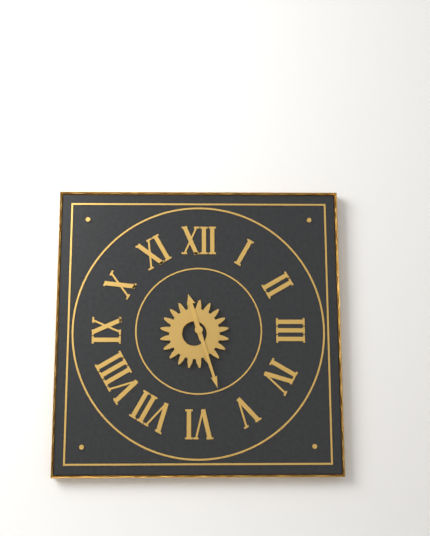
11:27
